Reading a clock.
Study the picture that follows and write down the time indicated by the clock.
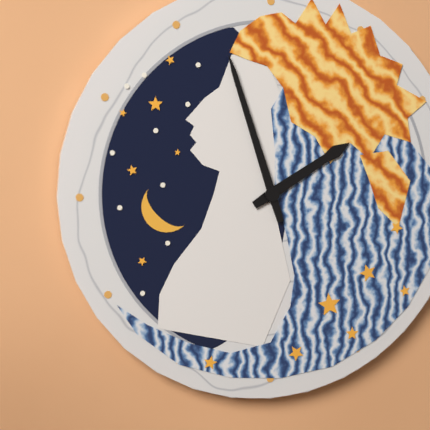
1:57
